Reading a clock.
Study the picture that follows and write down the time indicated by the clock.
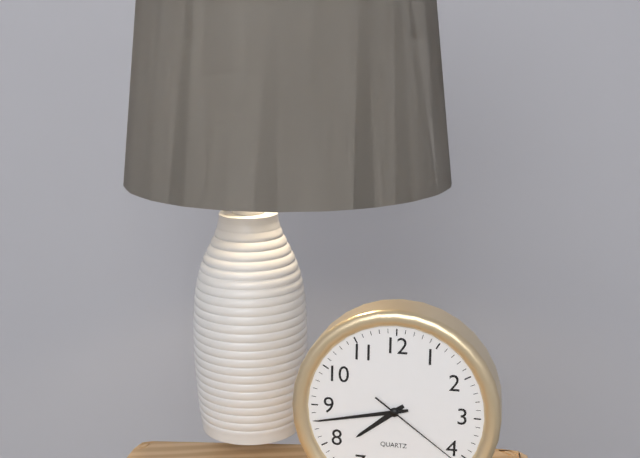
7:43
